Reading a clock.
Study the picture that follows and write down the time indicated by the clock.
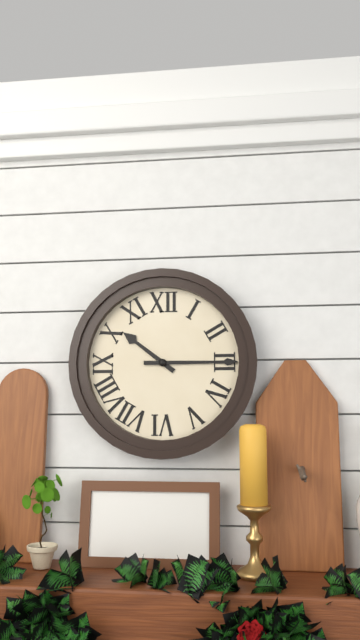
10:15
